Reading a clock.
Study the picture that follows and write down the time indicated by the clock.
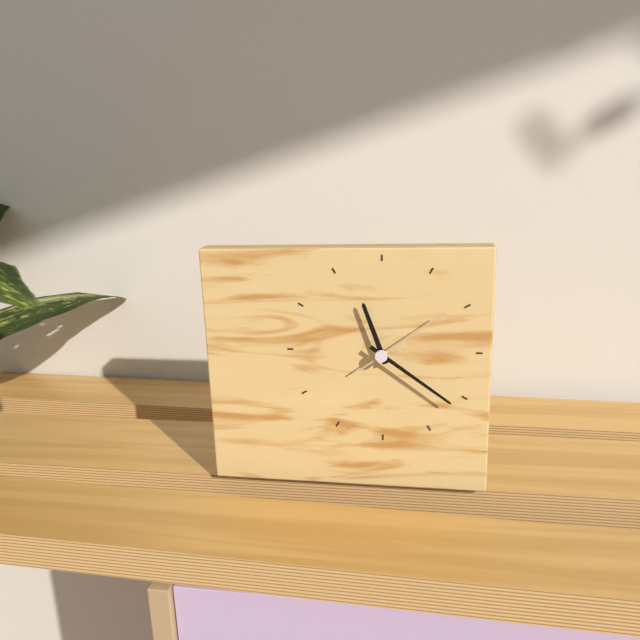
11:21:09
